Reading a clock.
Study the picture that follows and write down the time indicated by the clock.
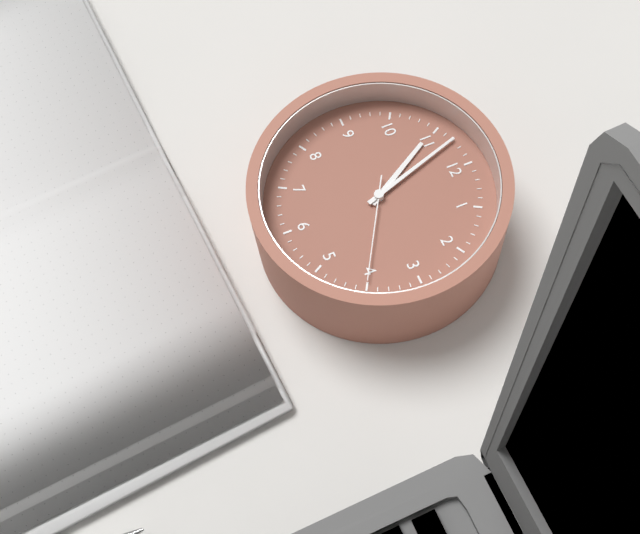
10:57:20
